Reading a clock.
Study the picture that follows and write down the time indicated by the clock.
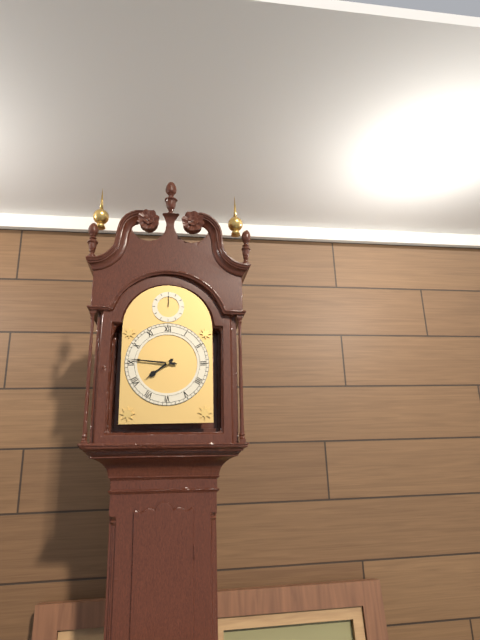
7:46
